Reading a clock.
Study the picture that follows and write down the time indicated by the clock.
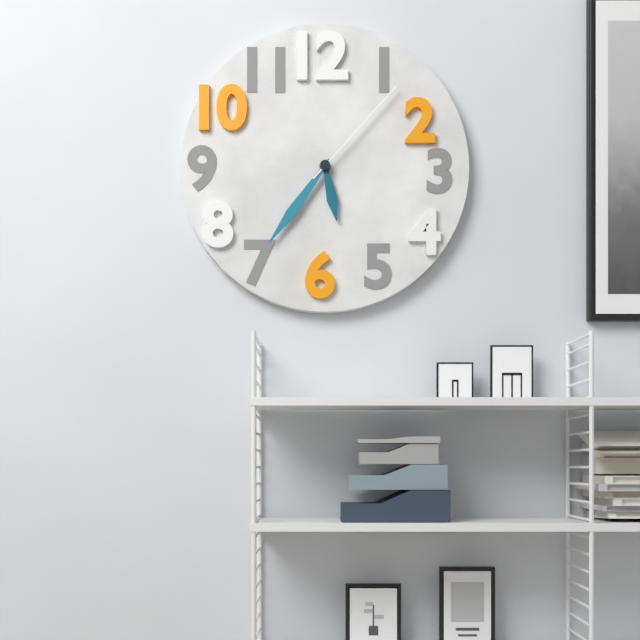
5:36:07
